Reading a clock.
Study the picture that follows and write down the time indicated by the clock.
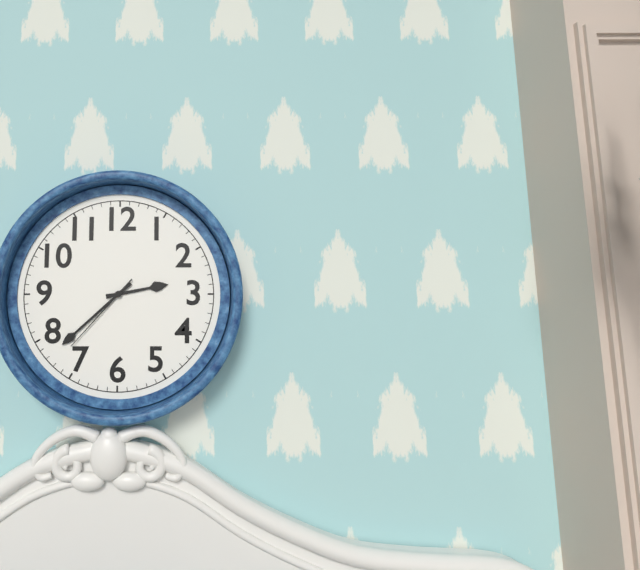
2:38:37
